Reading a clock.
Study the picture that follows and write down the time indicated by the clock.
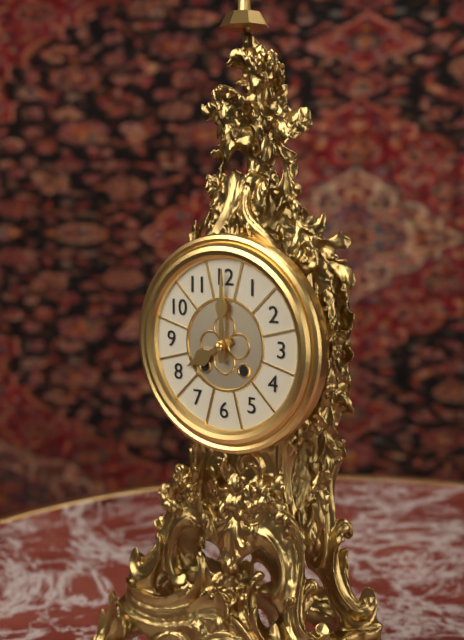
8:00
